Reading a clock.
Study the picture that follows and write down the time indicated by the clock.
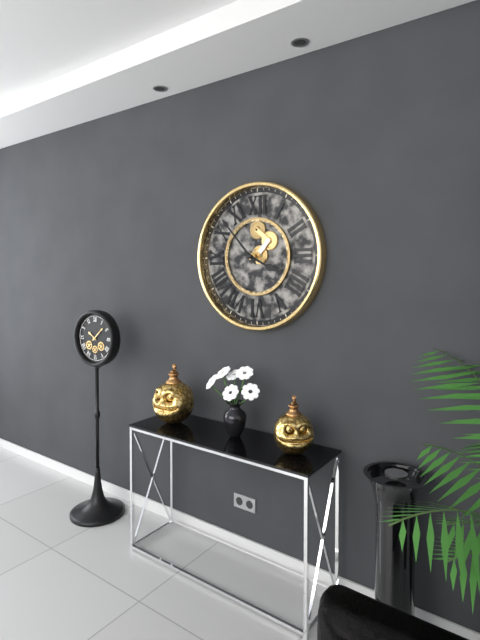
3:53
